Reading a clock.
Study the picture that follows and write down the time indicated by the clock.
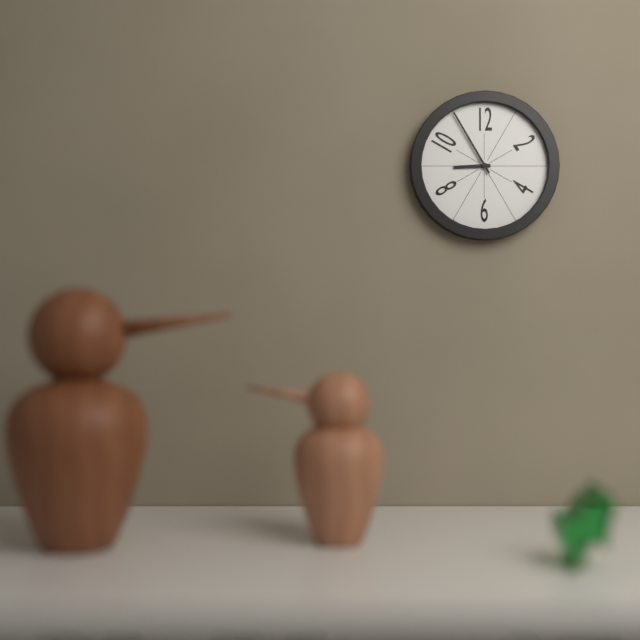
8:55
